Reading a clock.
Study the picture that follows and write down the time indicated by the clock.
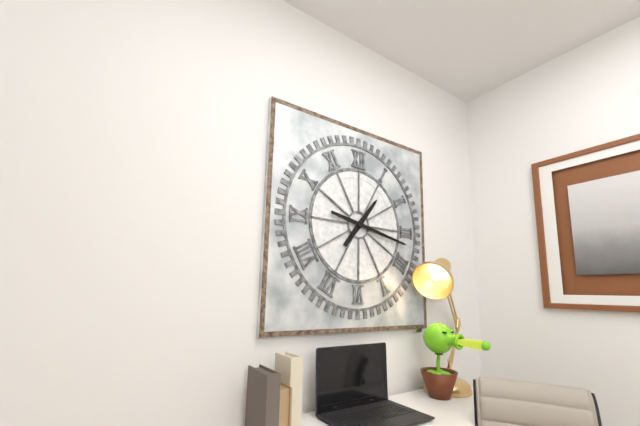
1:17
